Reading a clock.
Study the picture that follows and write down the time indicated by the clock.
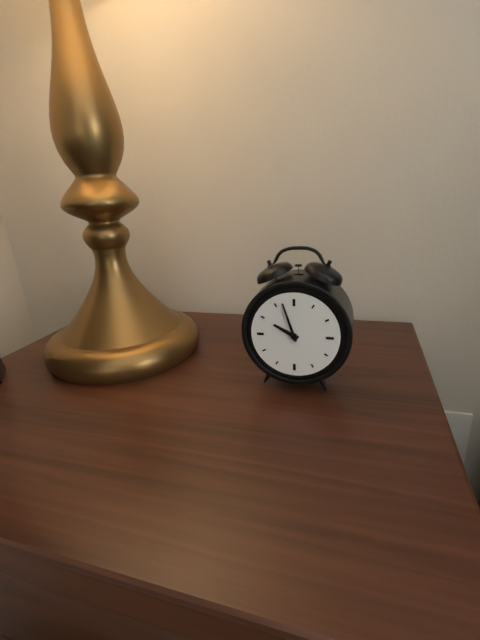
9:57
